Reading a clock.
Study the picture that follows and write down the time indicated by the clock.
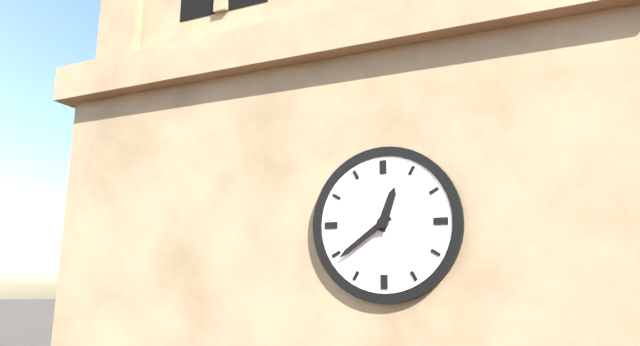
12:39
